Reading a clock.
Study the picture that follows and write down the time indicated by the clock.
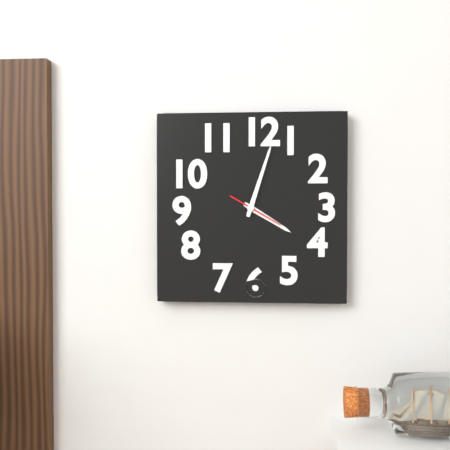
4:03
